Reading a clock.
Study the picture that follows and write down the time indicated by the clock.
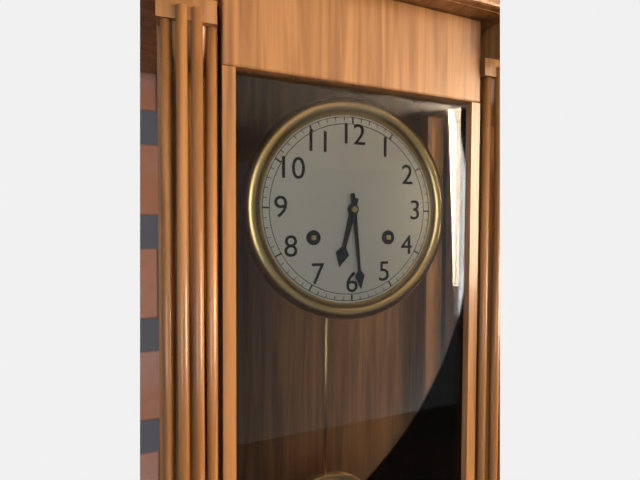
6:29
